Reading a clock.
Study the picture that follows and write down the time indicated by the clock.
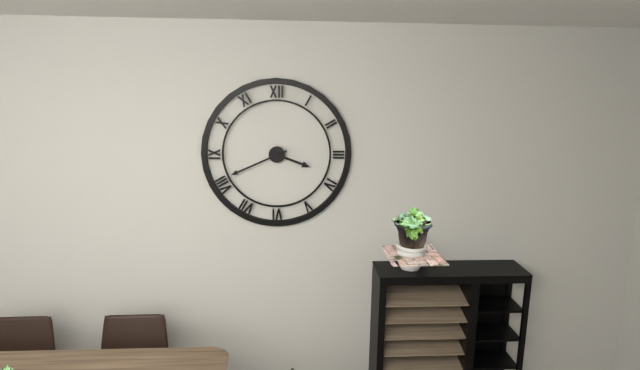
3:41
